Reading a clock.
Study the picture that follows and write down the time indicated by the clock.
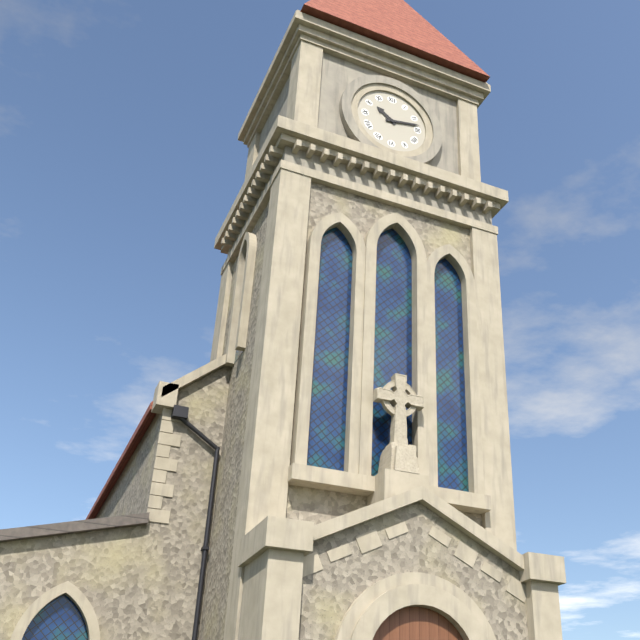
10:13
